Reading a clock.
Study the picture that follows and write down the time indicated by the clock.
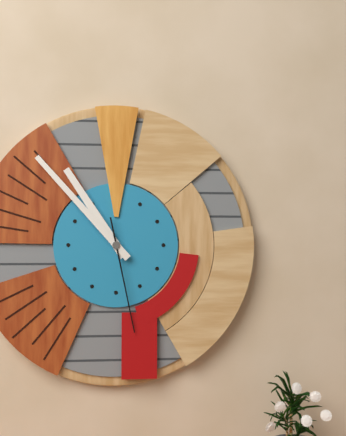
10:53:28
